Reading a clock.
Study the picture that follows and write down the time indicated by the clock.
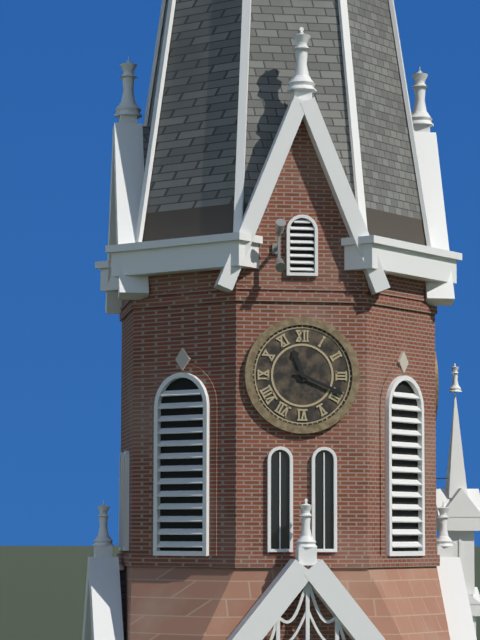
11:19
